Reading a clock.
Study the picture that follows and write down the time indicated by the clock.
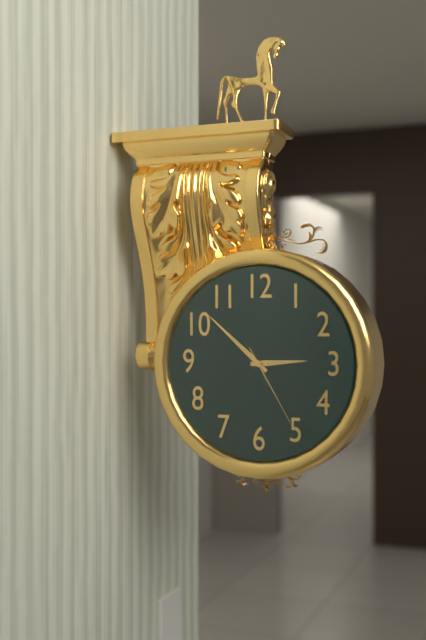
2:52:25
